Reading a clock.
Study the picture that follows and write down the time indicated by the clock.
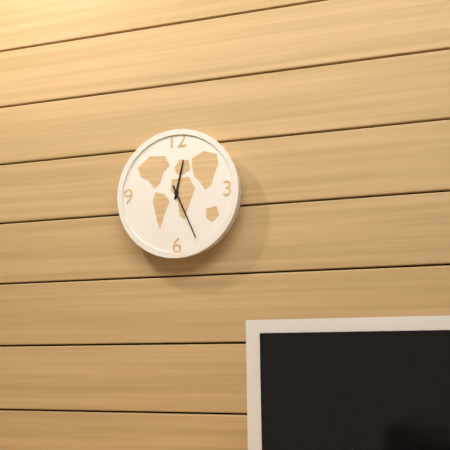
12:26
